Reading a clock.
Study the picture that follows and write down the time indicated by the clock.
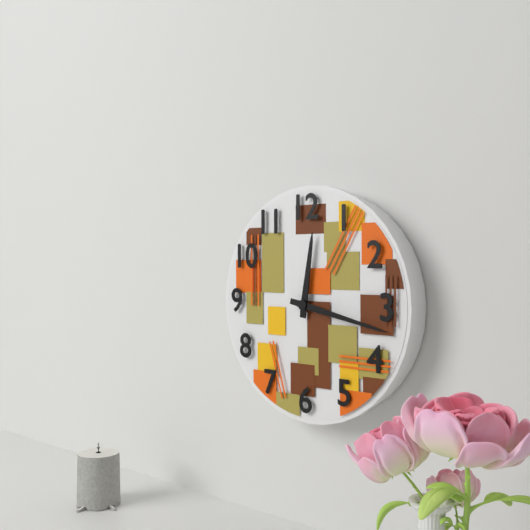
12:17
